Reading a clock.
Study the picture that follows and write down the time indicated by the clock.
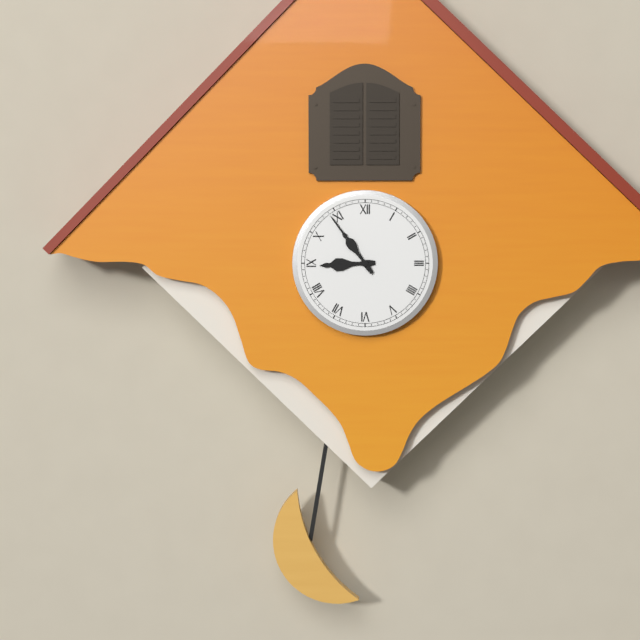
8:54
